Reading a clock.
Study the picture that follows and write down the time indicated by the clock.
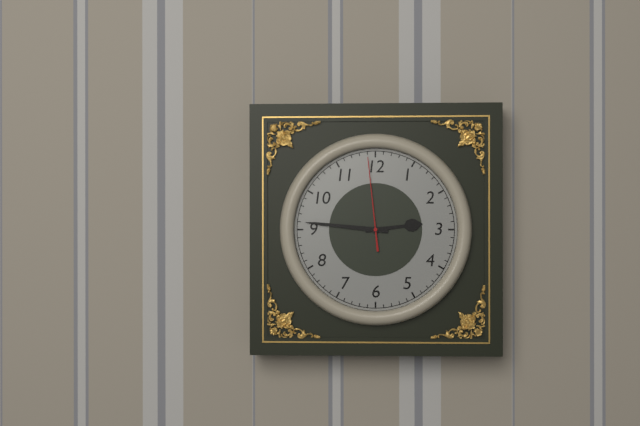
2:46:59
